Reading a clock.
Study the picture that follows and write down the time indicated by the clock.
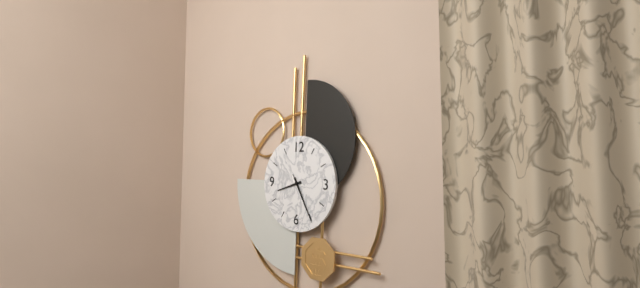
8:25
